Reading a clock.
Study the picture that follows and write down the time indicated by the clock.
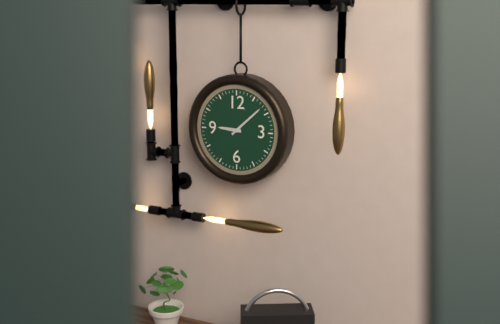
9:08
